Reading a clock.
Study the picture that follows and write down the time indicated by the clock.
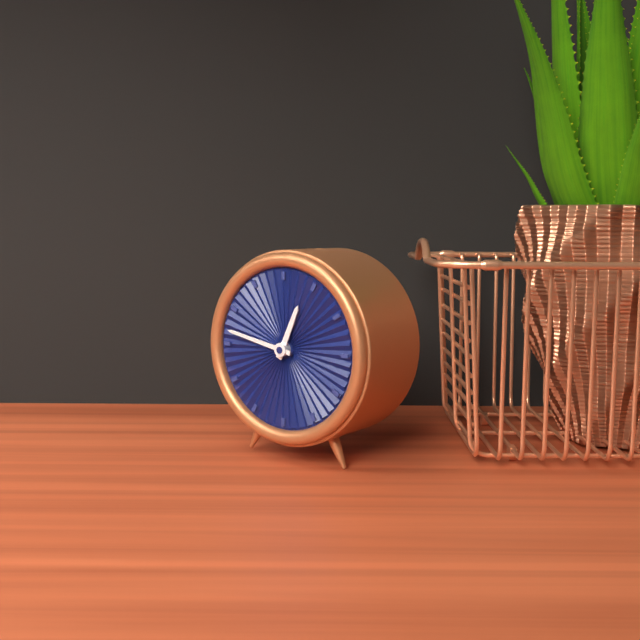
12:47
